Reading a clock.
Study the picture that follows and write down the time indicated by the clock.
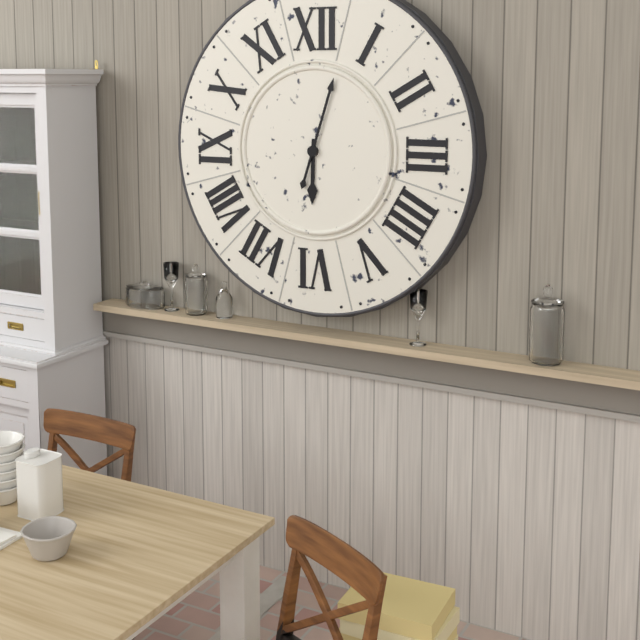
6:03
